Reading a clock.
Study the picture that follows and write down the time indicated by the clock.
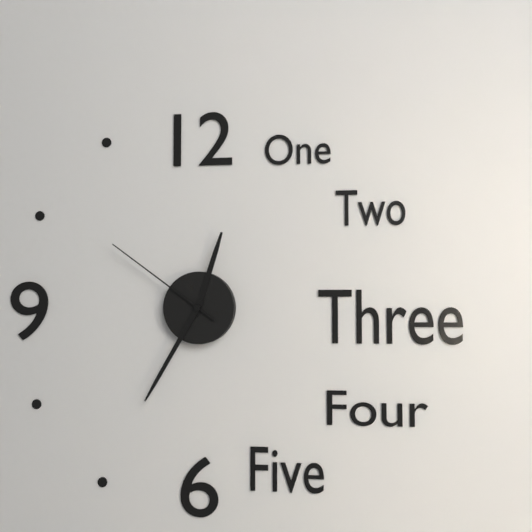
12:35:51
